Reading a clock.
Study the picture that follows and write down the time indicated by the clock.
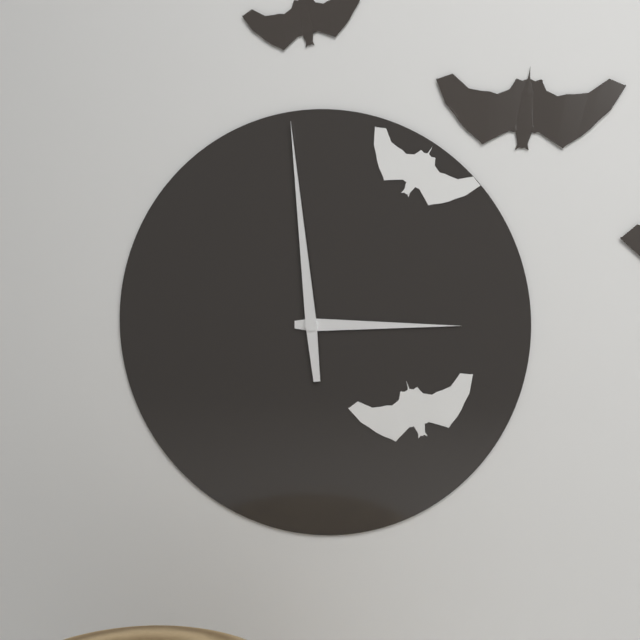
2:59
